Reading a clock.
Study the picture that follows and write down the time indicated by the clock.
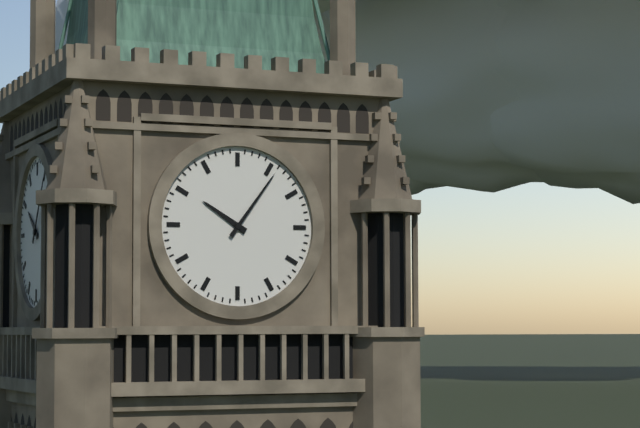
10:06
